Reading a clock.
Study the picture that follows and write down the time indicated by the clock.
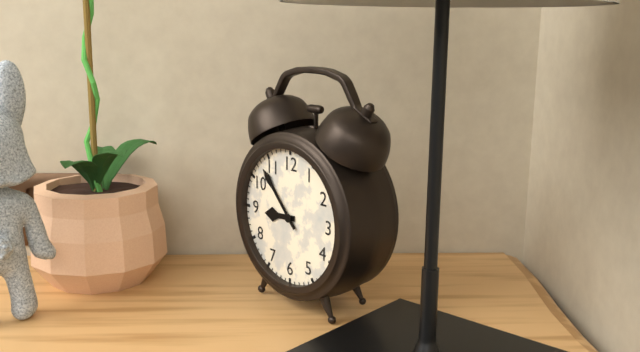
8:53
